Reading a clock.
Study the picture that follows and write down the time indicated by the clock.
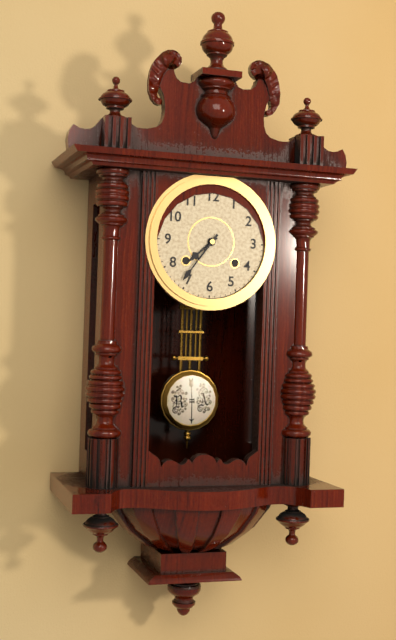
7:36
